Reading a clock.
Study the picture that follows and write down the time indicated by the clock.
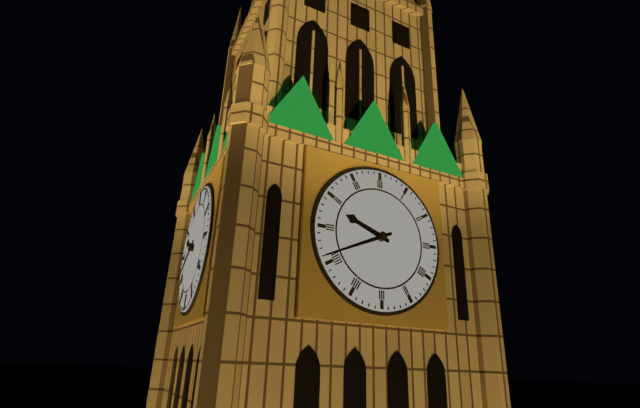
9:41
